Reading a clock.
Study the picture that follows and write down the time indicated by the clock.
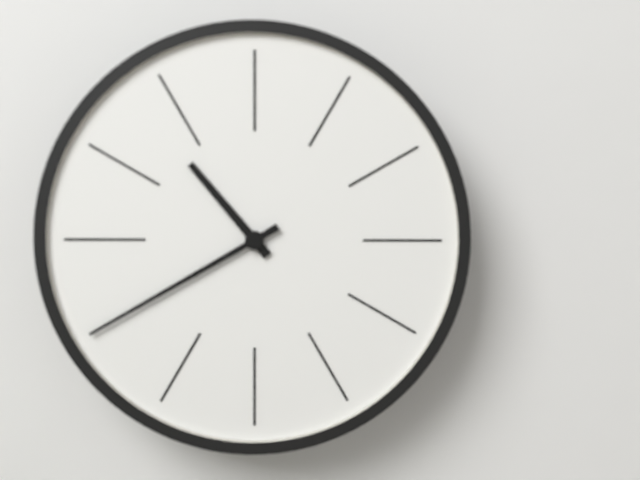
10:40
